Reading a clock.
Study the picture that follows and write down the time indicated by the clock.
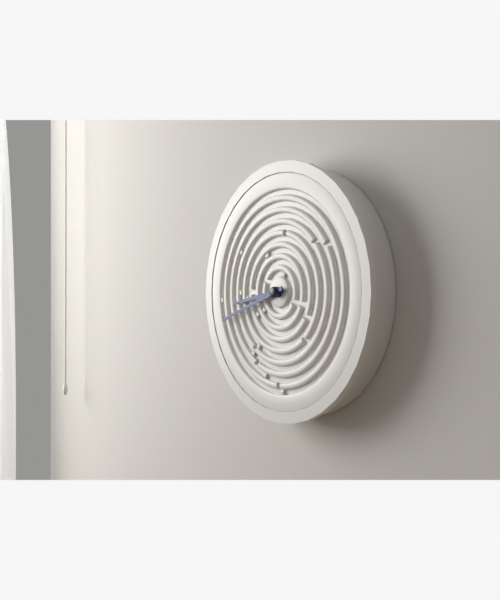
8:42
